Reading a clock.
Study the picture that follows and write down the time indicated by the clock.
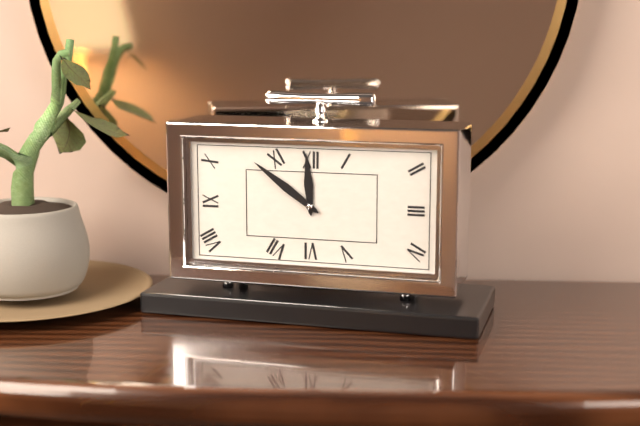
11:51
